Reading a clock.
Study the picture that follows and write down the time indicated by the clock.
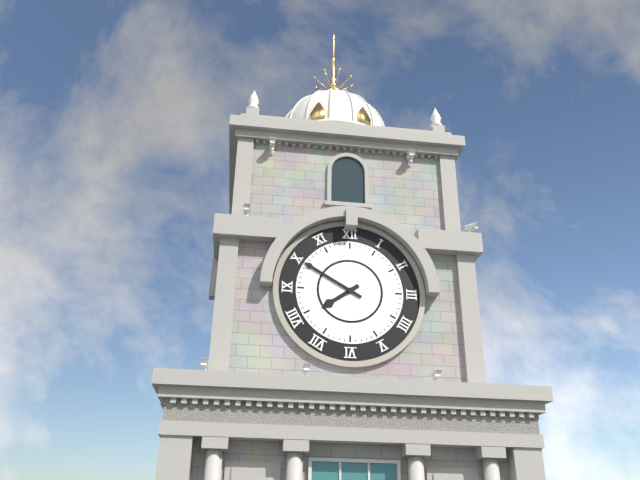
7:50
